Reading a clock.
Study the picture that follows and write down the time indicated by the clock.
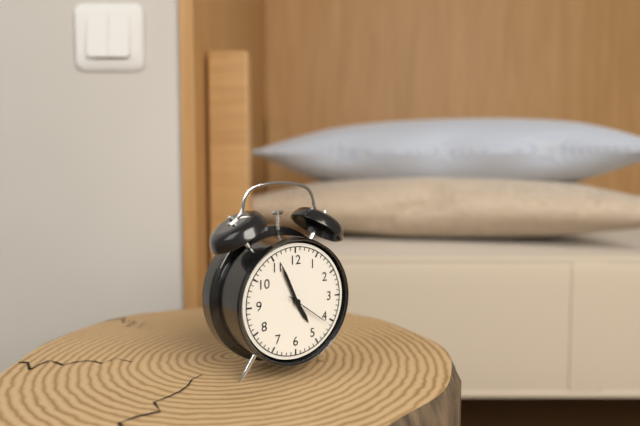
4:56
